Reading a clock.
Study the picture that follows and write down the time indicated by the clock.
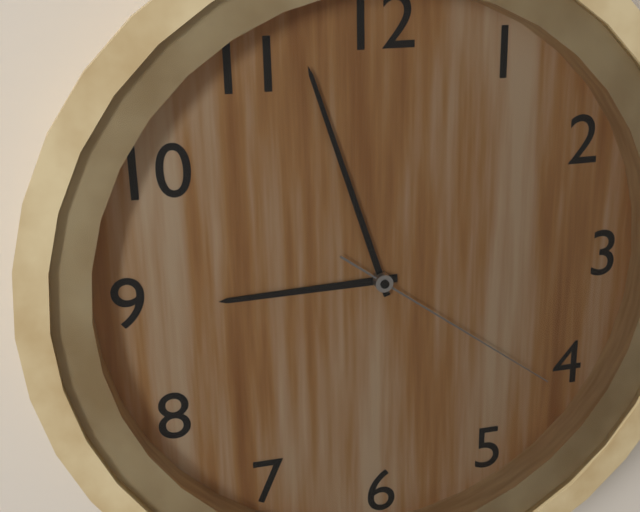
8:57:21
